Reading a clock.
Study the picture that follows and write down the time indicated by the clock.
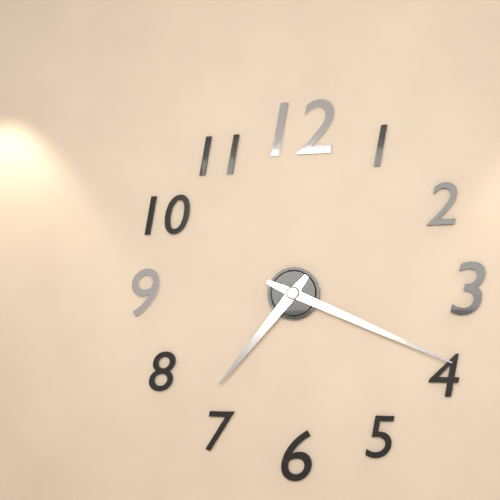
7:19
